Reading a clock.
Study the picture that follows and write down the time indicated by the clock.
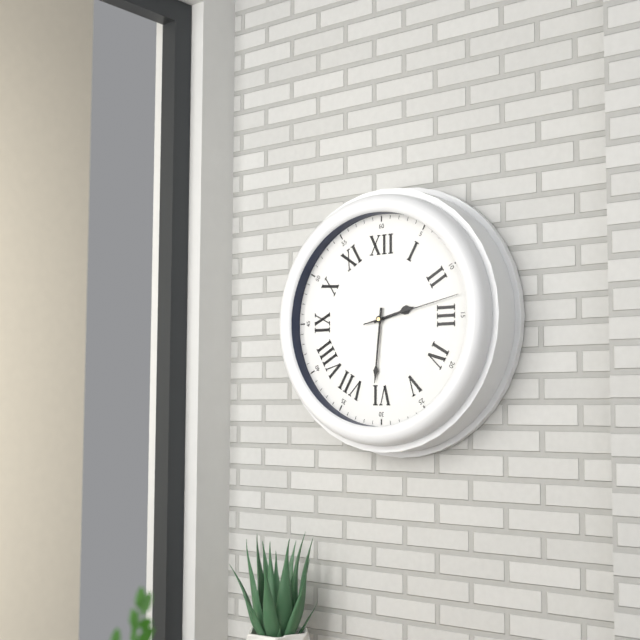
2:31:13
